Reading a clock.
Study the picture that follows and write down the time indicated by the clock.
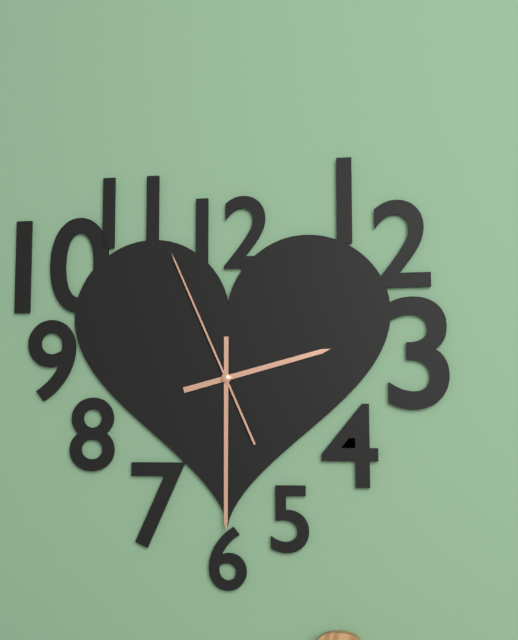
2:30:56
